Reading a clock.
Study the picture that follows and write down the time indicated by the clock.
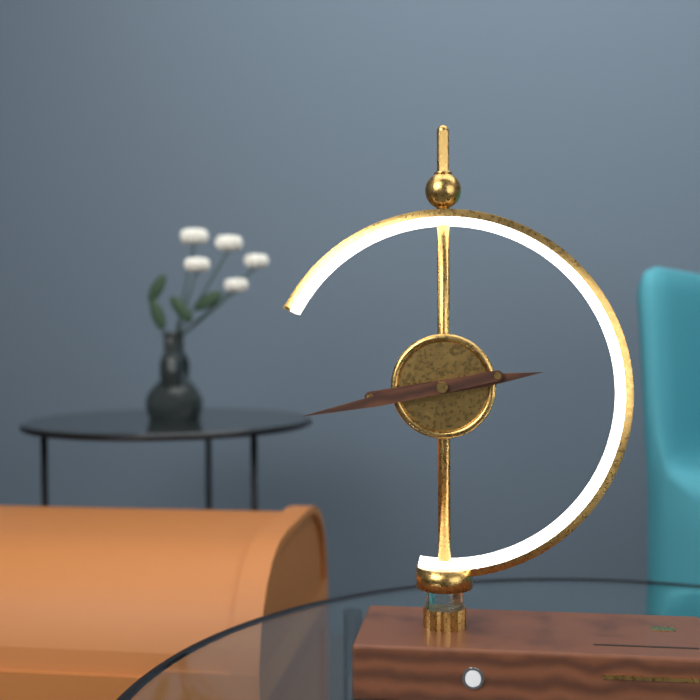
2:43
